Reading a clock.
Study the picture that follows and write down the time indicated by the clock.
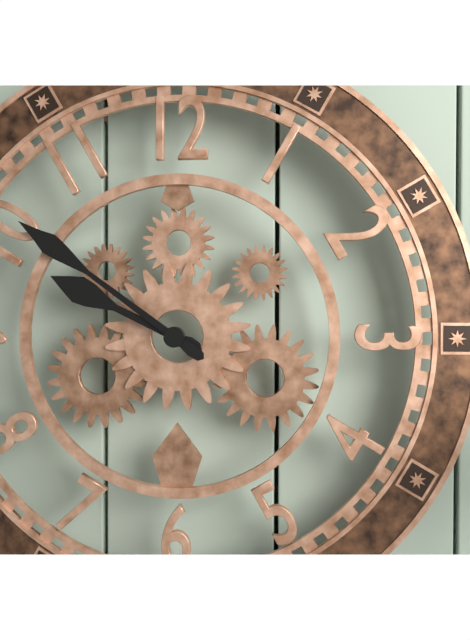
9:51
